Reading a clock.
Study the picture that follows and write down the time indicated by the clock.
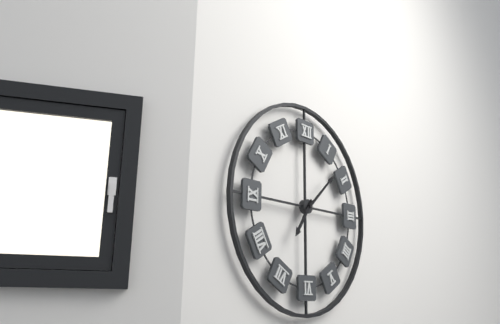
7:08
